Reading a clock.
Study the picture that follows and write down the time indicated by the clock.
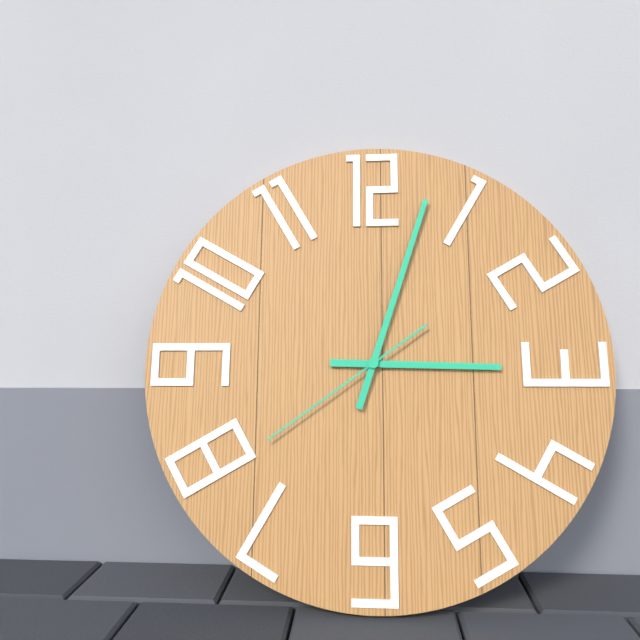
3:03:39
